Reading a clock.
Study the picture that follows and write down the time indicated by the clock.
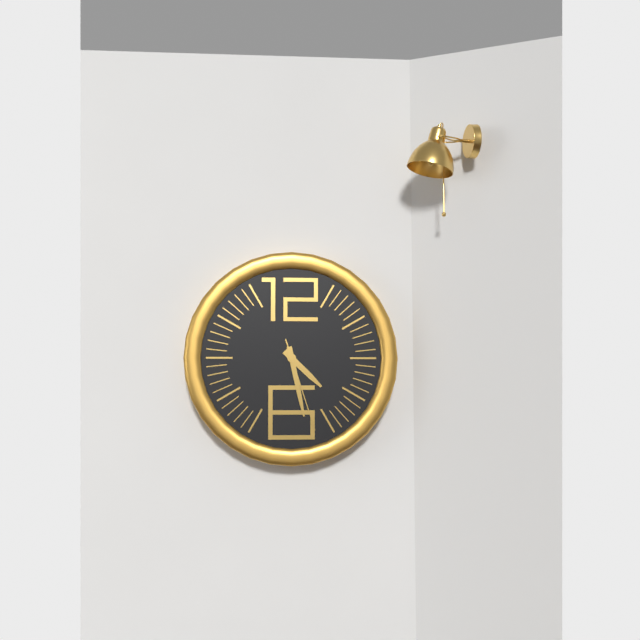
4:28:27
